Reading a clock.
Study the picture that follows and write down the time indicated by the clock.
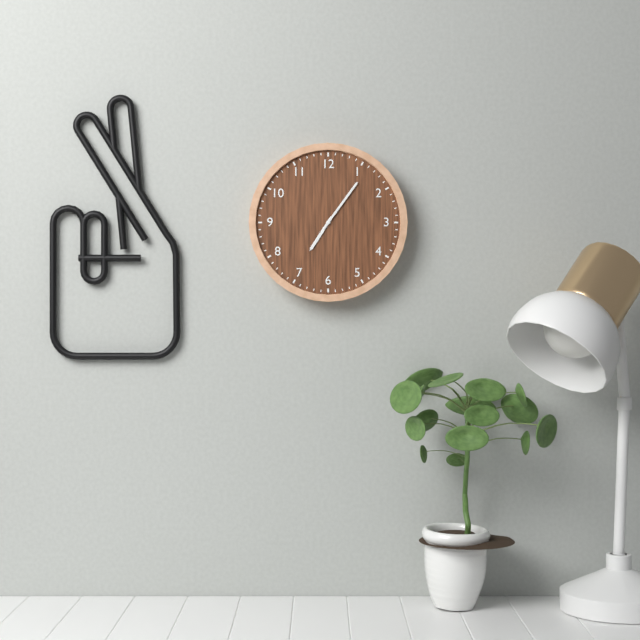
7:06
